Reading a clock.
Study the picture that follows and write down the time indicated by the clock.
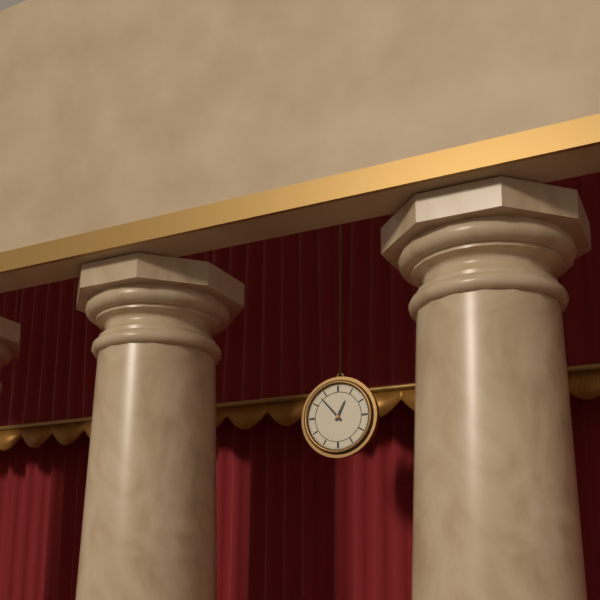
12:53
